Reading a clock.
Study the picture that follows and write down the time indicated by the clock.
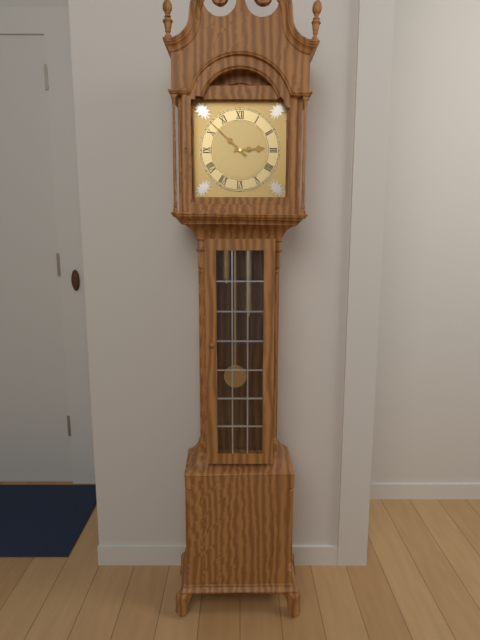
2:52
